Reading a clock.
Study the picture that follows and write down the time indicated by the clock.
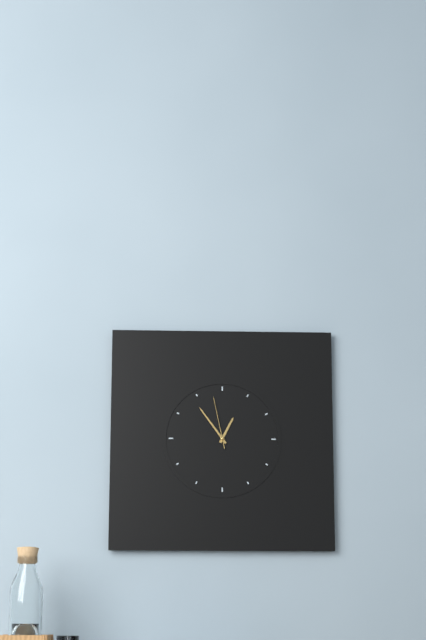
12:54:58
